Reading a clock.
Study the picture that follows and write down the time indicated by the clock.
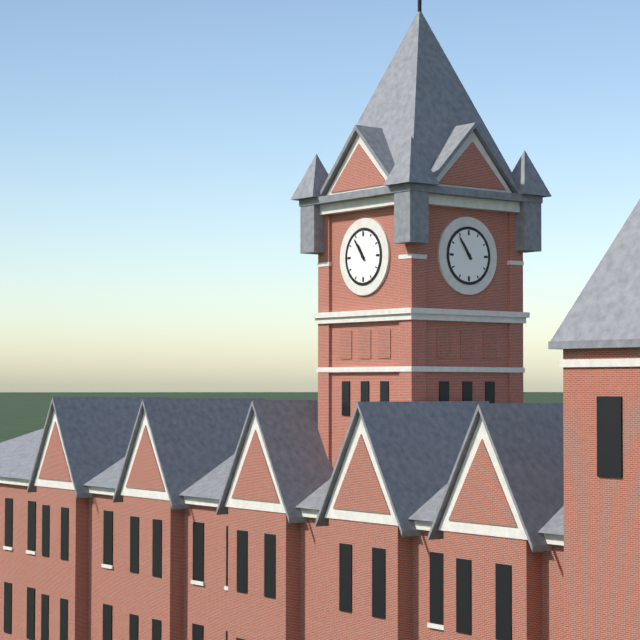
10:54
